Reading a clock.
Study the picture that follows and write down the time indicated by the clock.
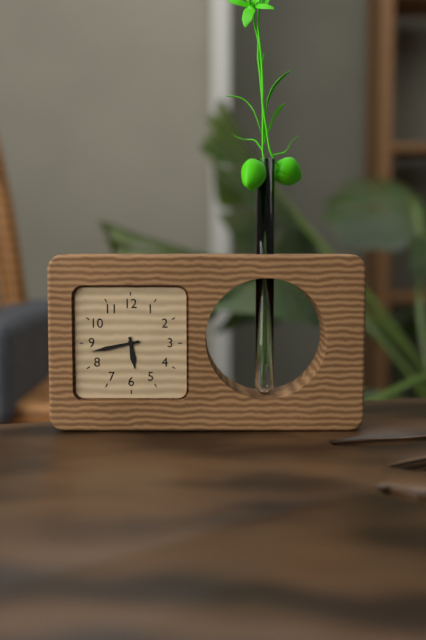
5:43
